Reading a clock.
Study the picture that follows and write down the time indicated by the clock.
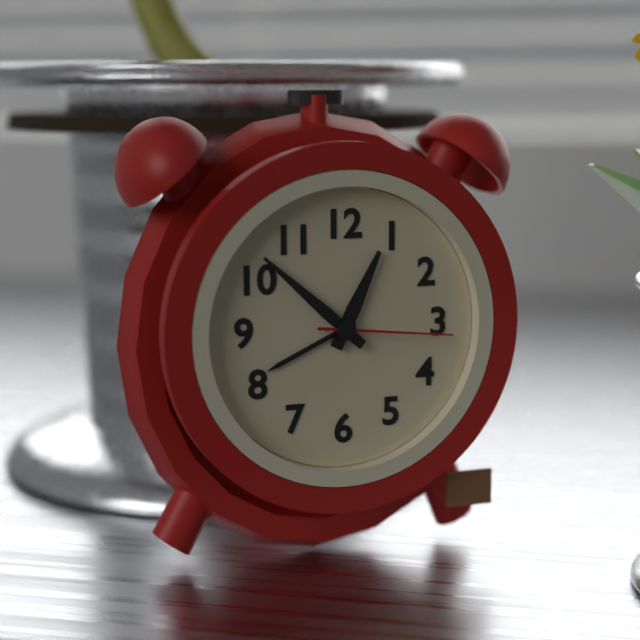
12:52:16
